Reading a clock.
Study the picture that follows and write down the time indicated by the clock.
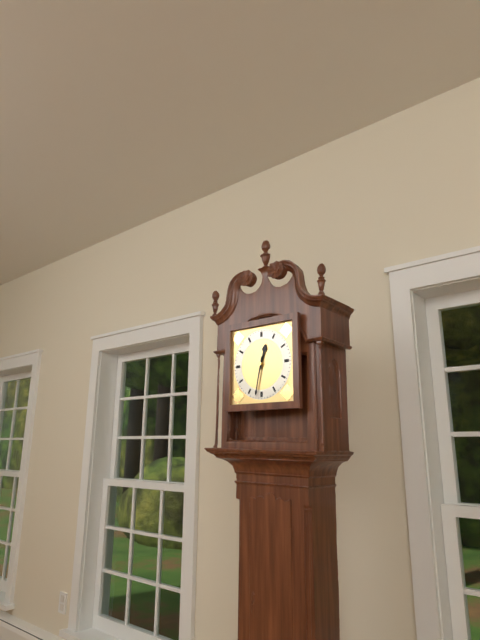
12:32
